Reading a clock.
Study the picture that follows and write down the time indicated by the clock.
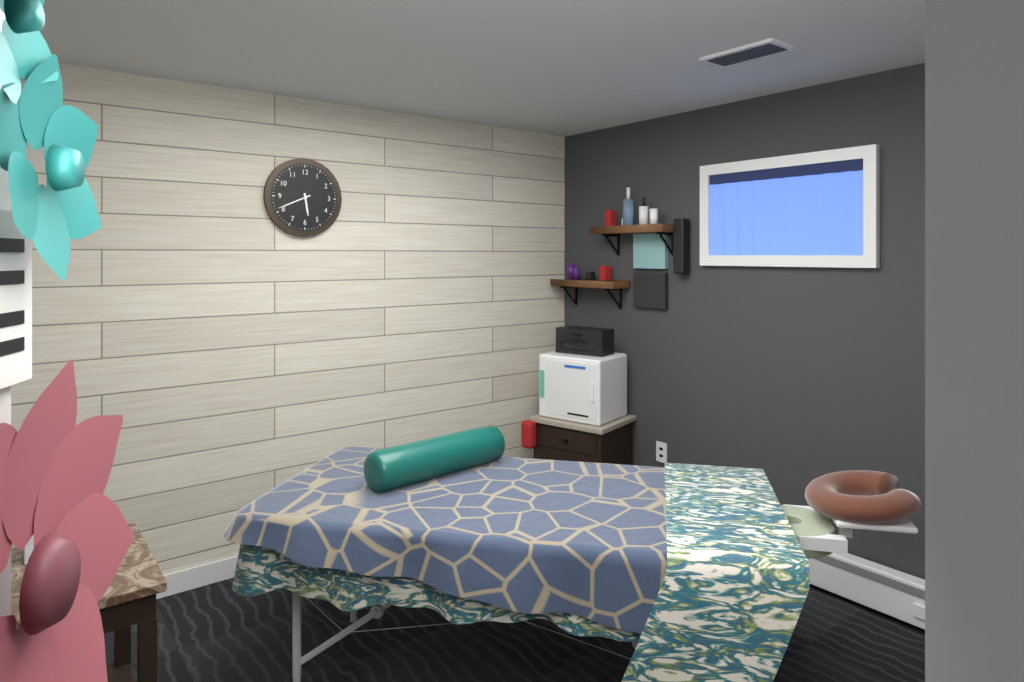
5:41
